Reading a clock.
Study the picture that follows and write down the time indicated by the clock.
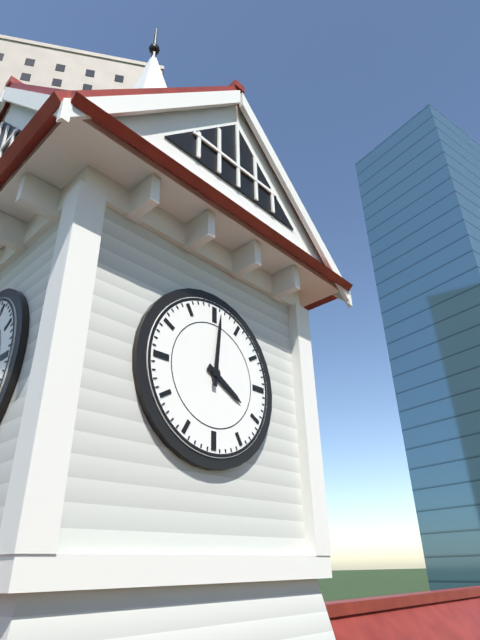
4:01
